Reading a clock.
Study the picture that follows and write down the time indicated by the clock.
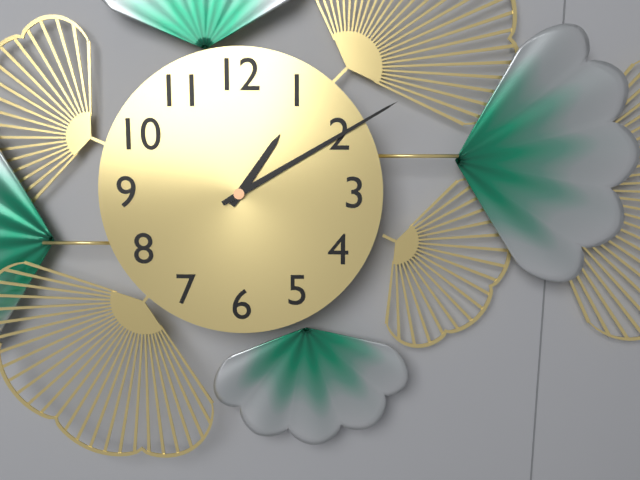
1:10
